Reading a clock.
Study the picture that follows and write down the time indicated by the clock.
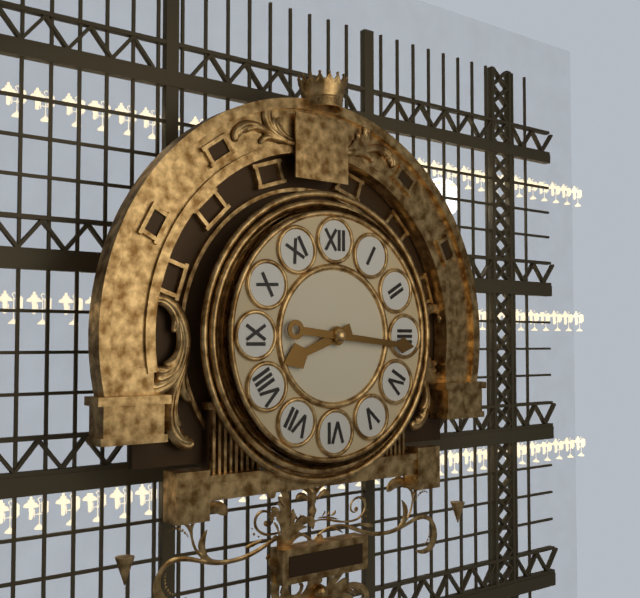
8:16
